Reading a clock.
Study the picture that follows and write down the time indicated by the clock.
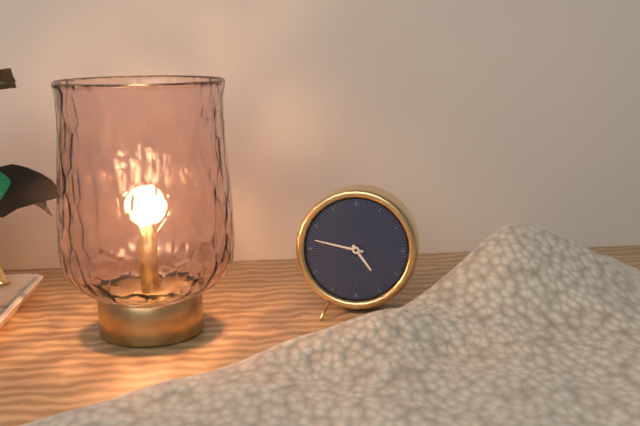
4:47
